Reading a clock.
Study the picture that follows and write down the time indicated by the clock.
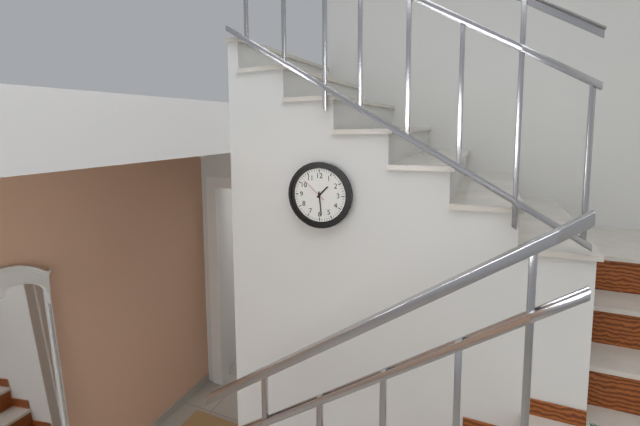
1:29
